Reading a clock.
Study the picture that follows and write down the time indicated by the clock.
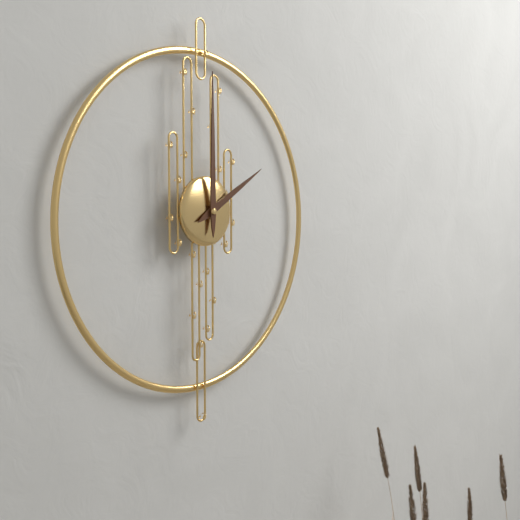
2:00
